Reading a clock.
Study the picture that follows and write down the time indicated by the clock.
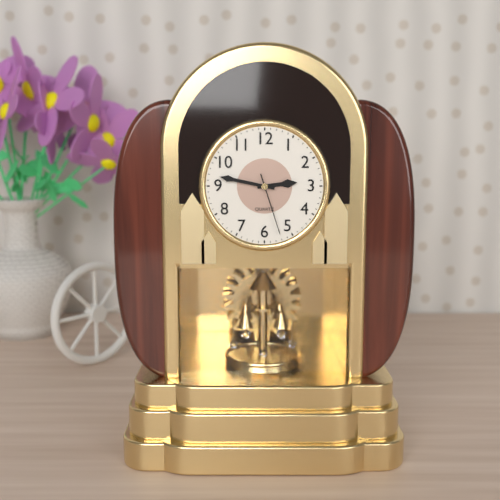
2:47:27
